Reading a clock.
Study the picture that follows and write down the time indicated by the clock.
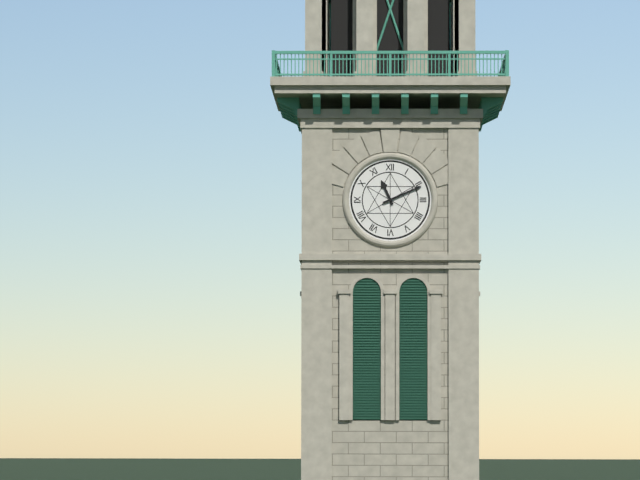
11:11
